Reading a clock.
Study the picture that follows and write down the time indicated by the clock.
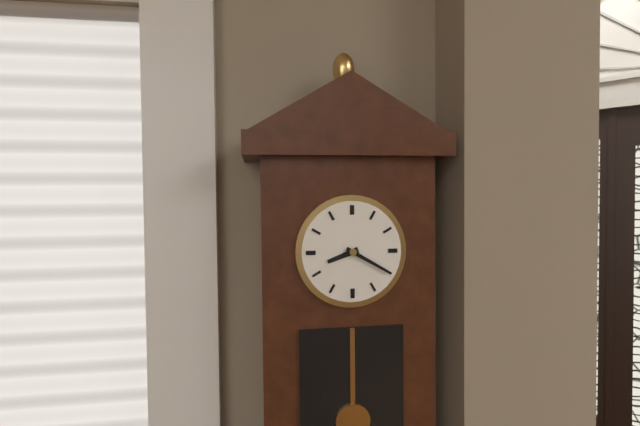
8:20
